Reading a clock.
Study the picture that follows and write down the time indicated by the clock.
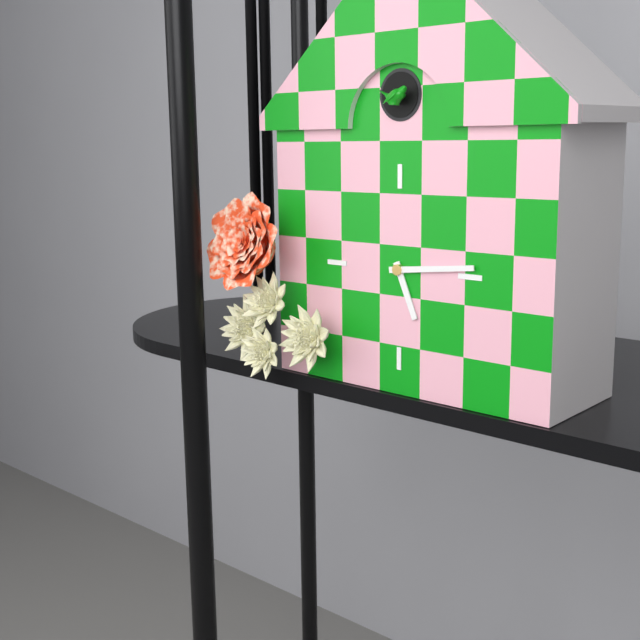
5:14
